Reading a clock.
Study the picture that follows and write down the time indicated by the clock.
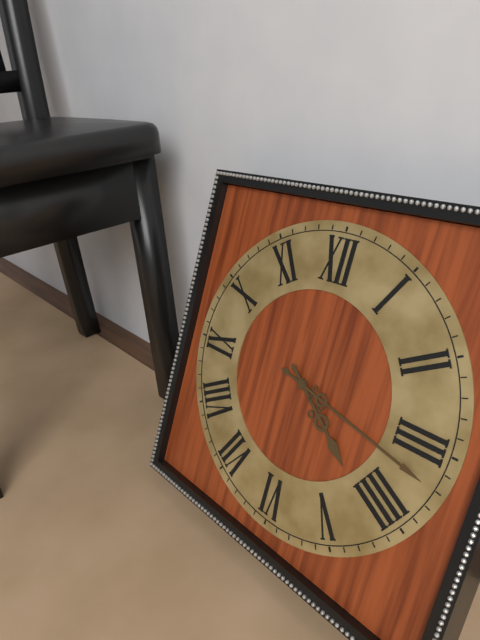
4:17
